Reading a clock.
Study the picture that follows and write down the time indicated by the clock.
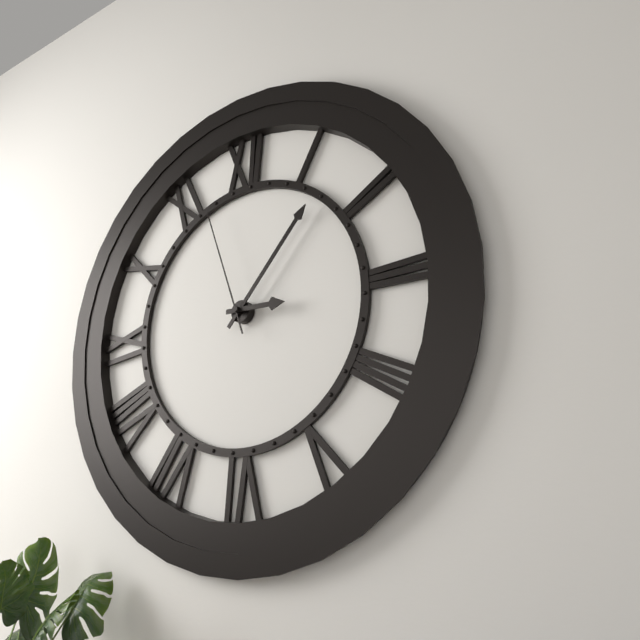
3:07:57
